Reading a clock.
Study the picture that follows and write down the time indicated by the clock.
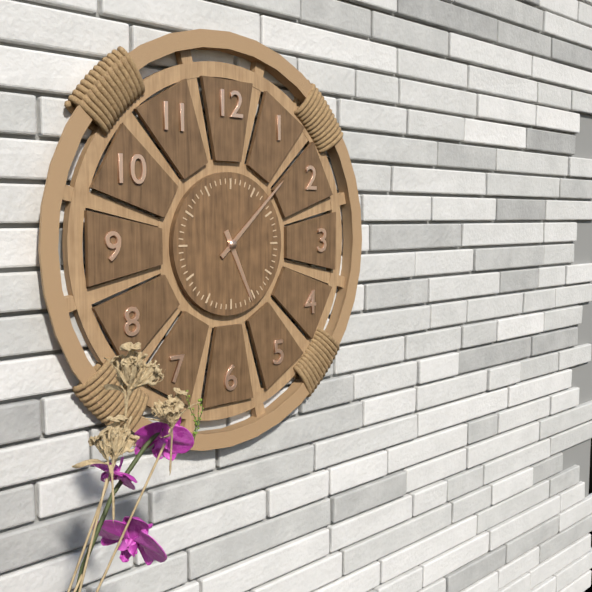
5:08
